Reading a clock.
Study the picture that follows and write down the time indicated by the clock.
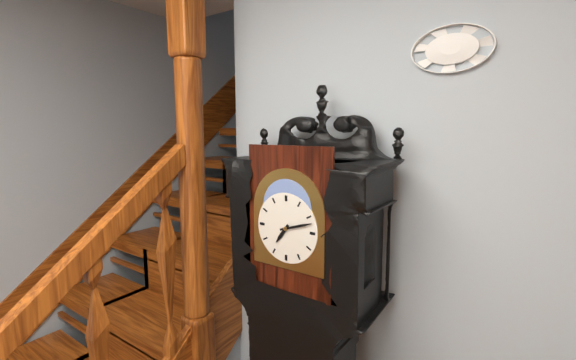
7:12
